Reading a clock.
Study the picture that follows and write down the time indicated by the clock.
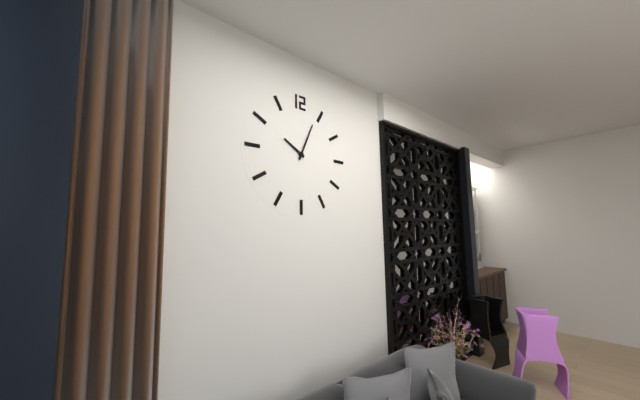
10:04
